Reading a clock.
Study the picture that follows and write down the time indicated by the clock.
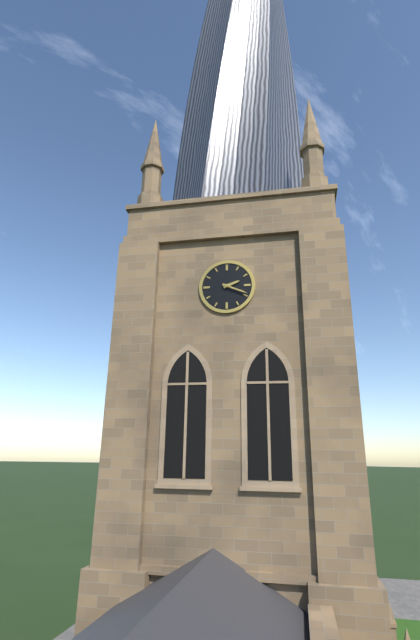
2:19
